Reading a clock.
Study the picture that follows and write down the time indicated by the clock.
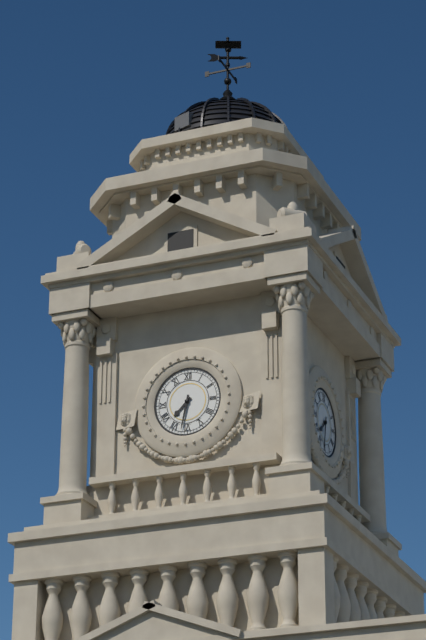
7:32
